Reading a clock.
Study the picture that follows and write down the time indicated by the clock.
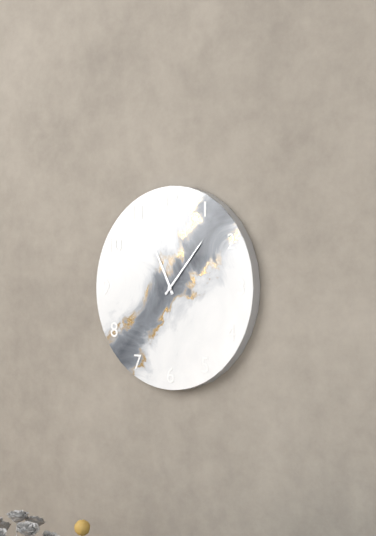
11:07
